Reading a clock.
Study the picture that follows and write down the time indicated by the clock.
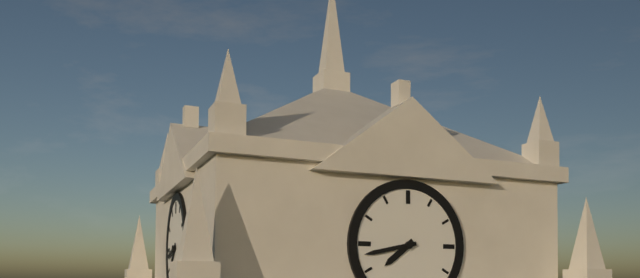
7:43
